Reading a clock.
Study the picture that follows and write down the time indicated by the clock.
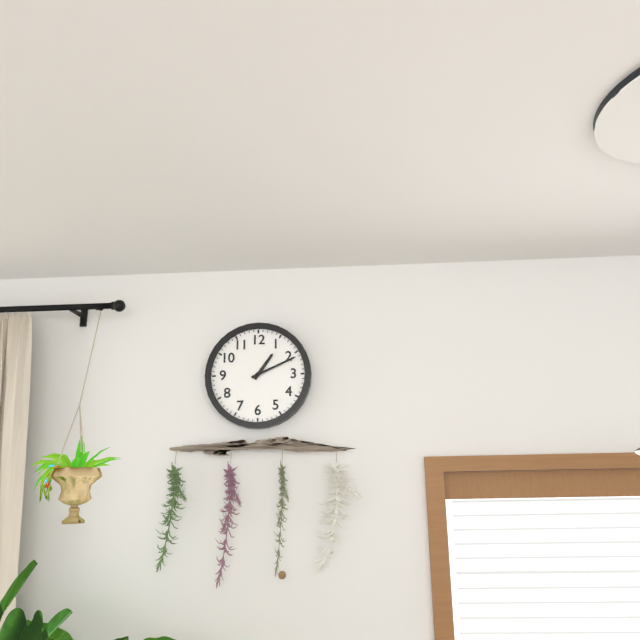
1:11
